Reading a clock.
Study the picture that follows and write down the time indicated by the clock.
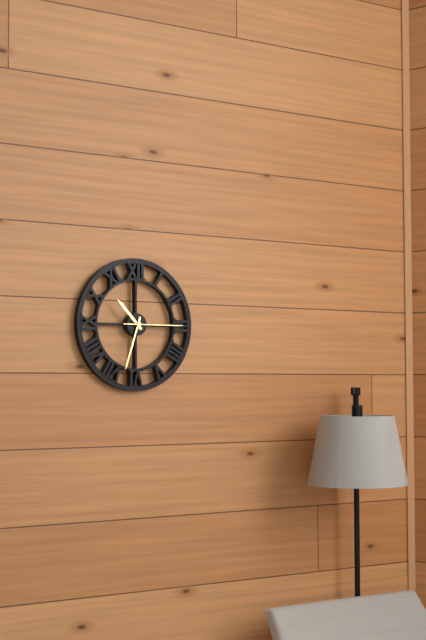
10:33:15
